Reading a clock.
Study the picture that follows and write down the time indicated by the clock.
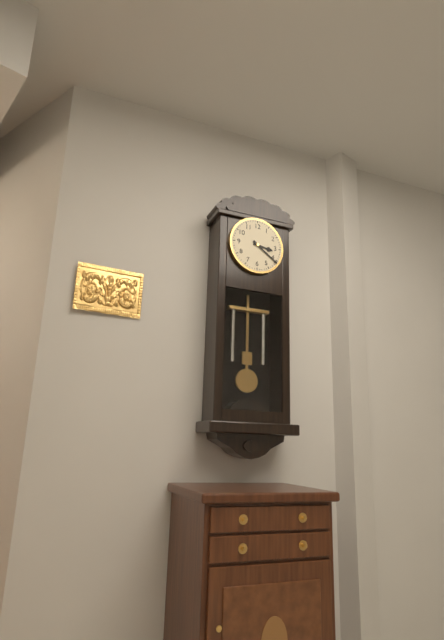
3:21
